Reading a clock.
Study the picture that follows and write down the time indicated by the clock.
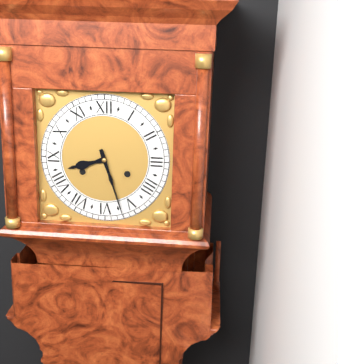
8:27
